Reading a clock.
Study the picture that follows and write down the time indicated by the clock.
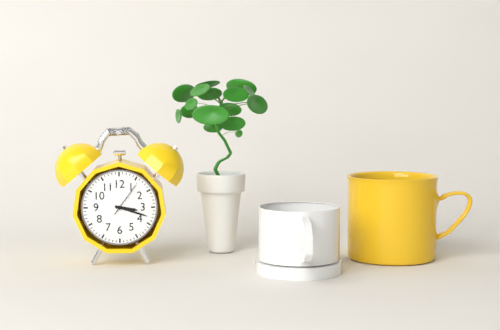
3:18
